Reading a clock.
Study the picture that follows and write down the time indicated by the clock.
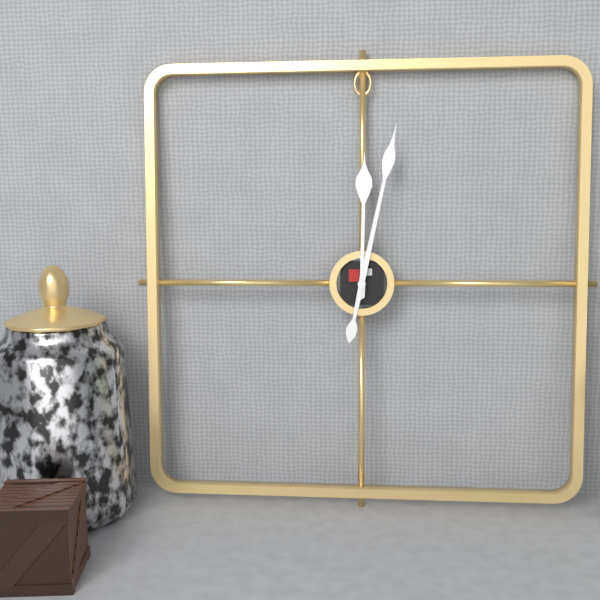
12:02
